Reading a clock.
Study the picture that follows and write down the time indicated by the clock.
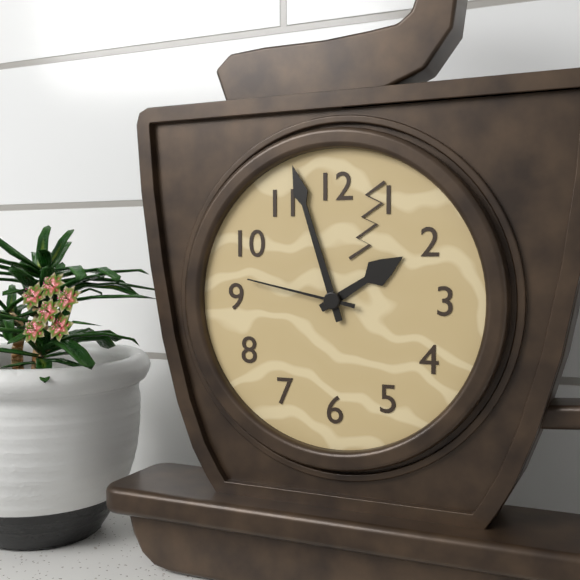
1:57:47
